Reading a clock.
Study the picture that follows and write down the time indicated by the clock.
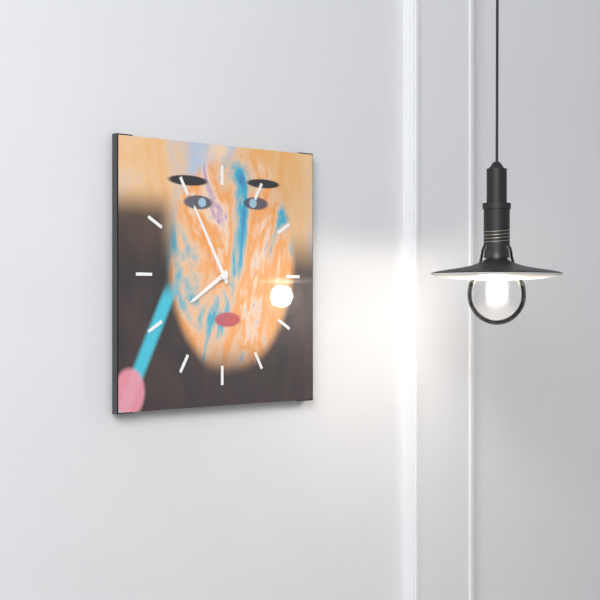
7:55
